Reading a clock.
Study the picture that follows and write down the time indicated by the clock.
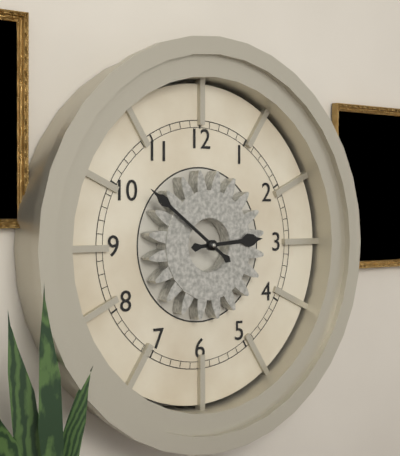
2:51
